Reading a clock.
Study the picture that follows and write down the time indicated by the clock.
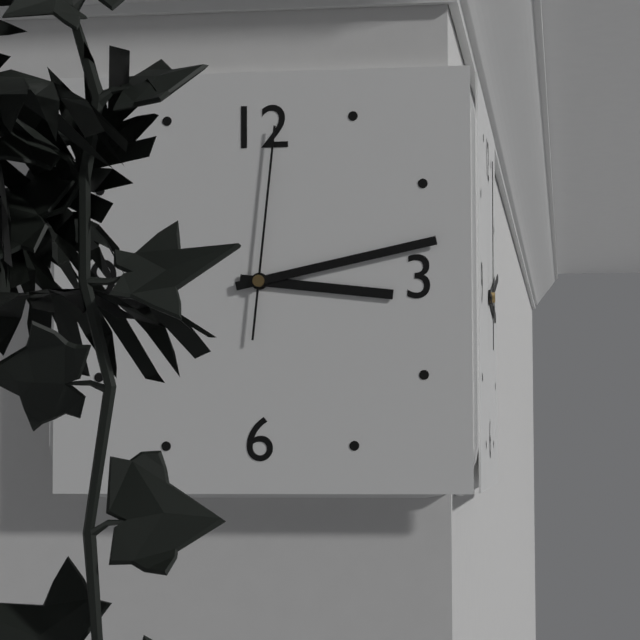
3:13:01
